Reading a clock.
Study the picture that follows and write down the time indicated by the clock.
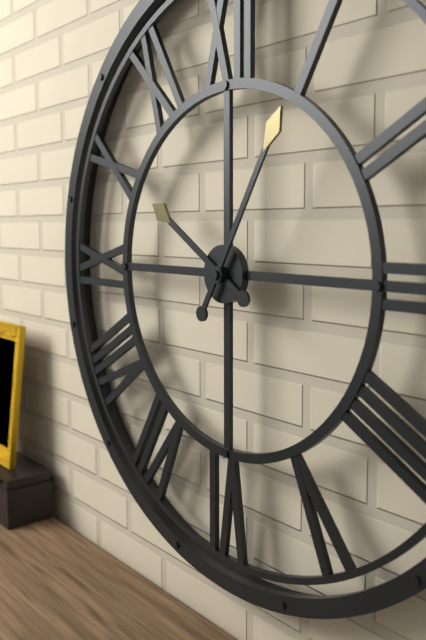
10:05
